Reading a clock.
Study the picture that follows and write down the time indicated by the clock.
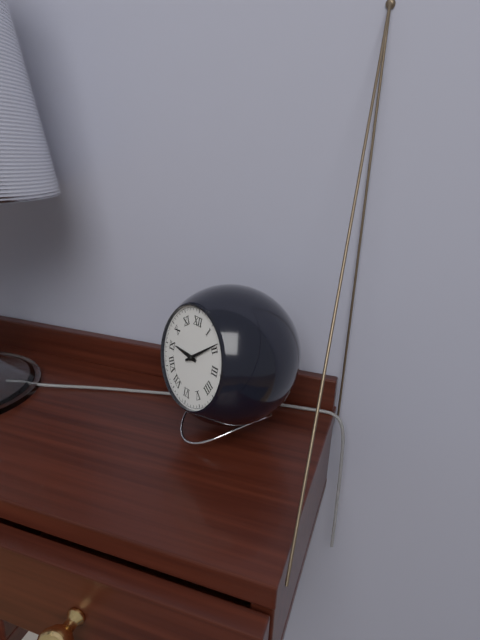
9:09
